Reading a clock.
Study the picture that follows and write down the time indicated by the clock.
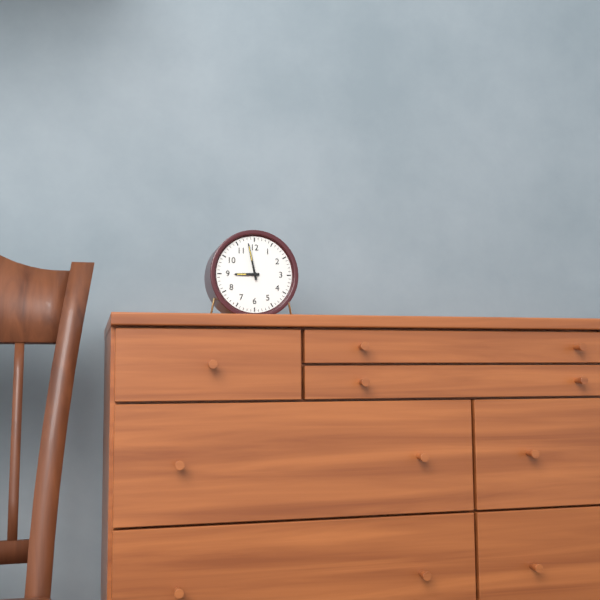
8:58
